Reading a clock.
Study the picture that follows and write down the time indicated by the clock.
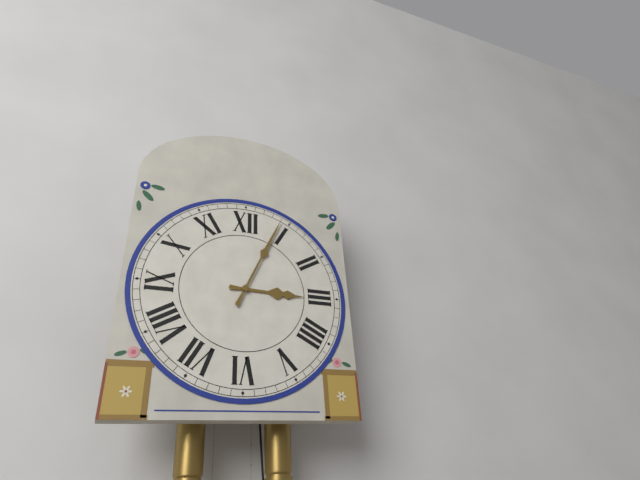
3:04
